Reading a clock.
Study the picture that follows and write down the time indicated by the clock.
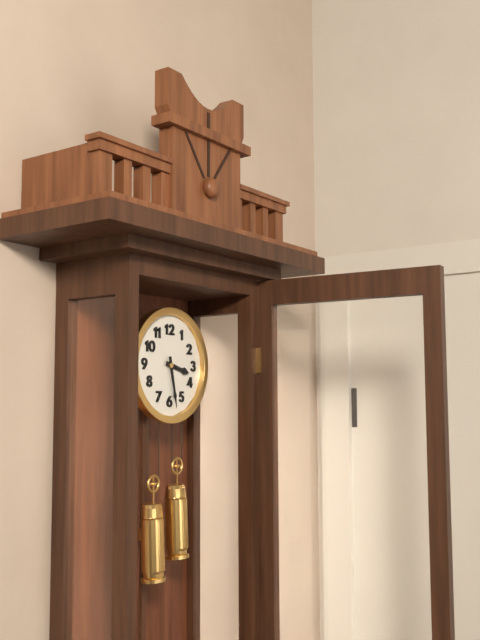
3:28
